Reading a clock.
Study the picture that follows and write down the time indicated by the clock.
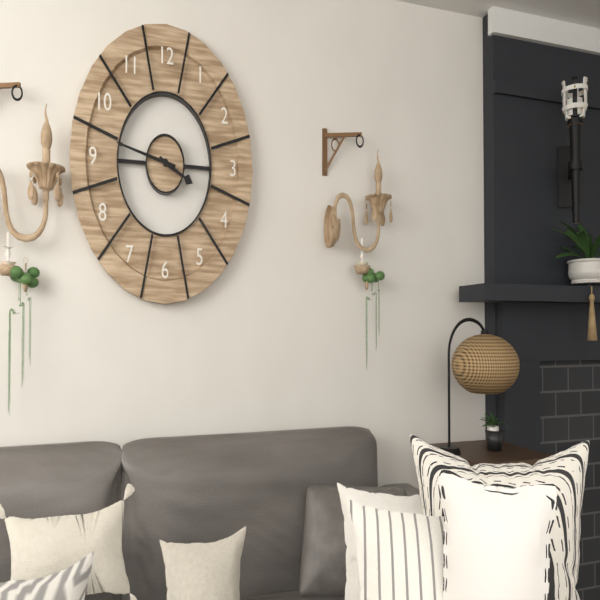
3:47
